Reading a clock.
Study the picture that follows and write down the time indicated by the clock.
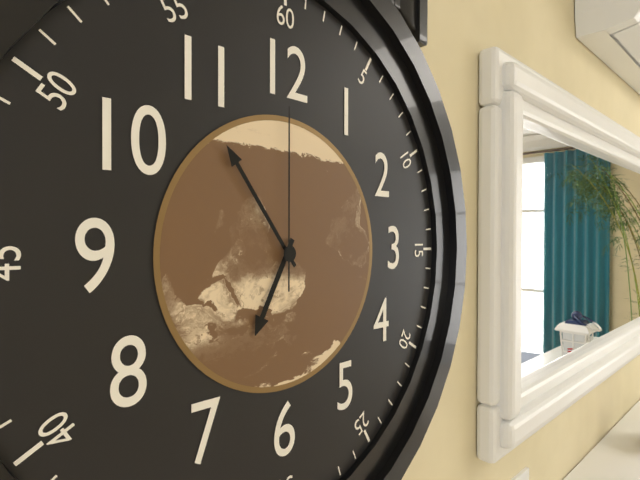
6:54:00
